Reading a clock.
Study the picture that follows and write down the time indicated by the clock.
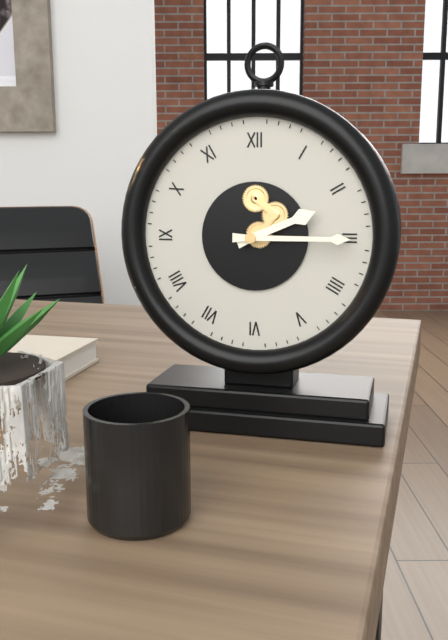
2:15
